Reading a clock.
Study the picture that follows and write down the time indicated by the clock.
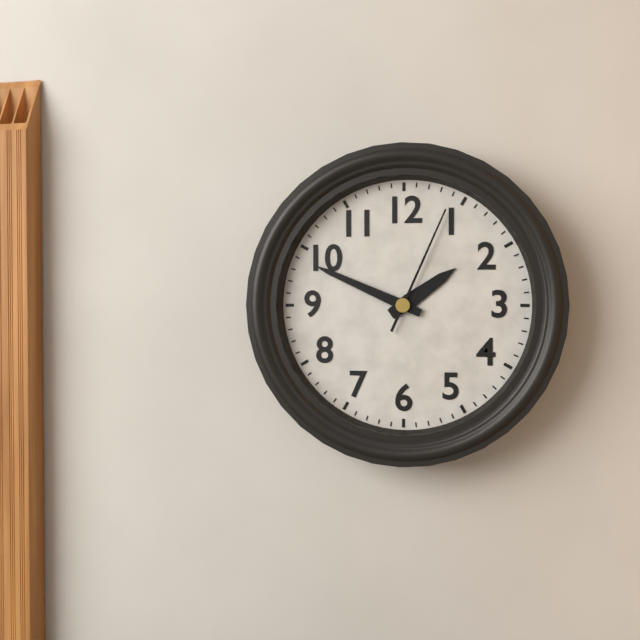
1:49:04
